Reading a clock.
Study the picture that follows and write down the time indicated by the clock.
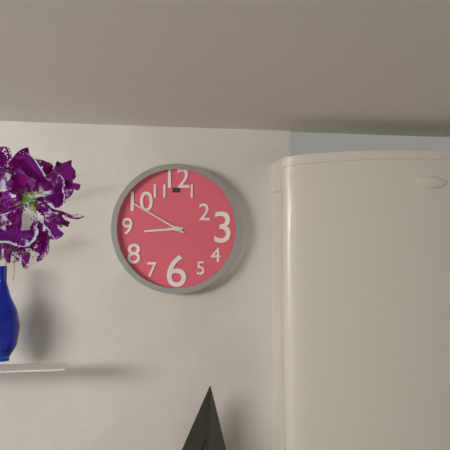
8:50
